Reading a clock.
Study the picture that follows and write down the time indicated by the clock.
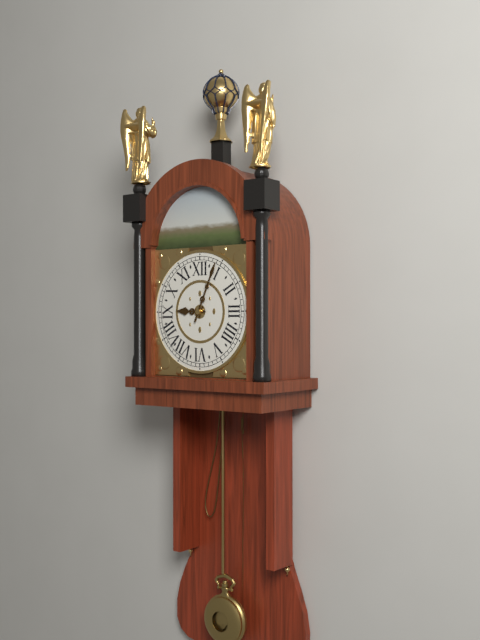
9:04
